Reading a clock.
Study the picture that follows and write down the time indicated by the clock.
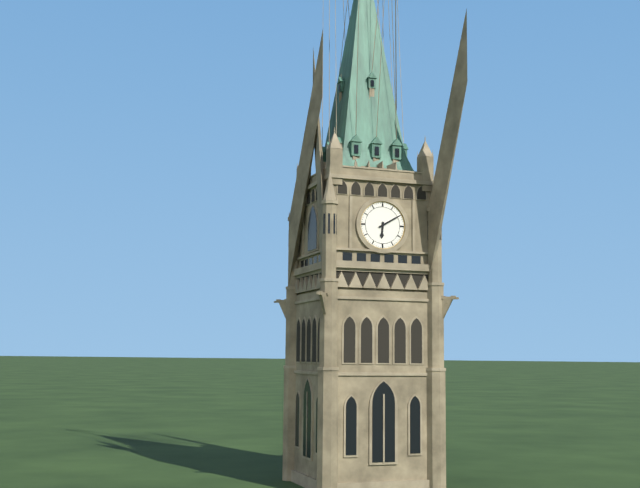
6:10
